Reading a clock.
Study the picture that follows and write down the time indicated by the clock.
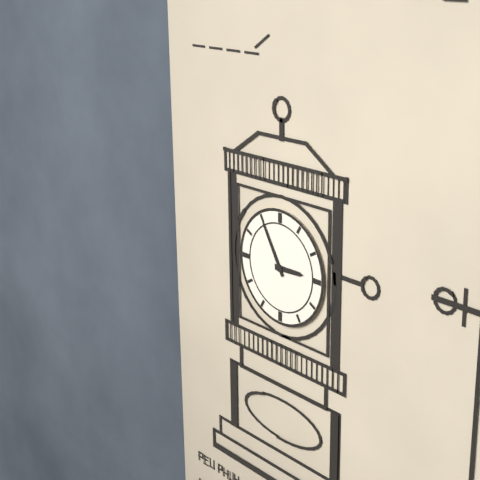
2:55
